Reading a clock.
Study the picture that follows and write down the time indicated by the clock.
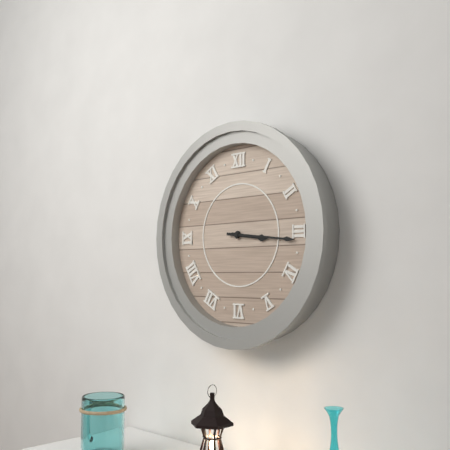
3:16
